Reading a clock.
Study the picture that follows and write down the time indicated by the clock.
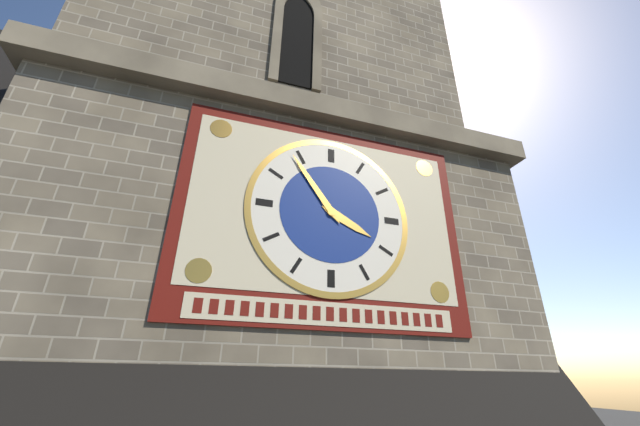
3:54
